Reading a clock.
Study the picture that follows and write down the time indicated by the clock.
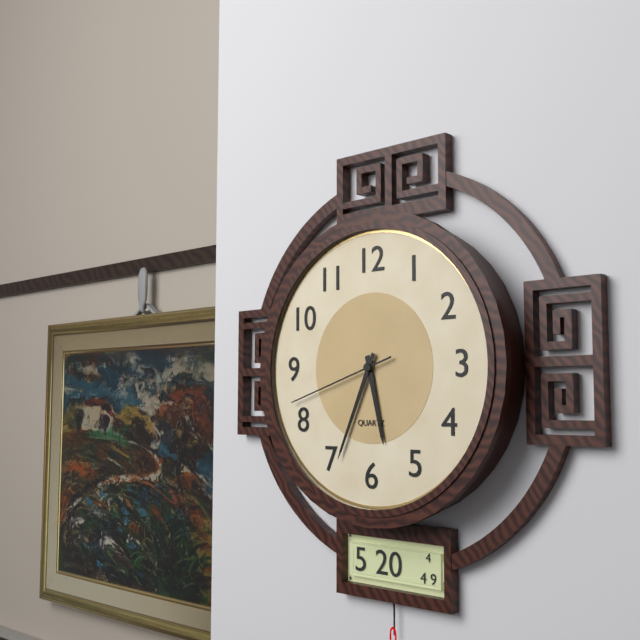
5:34:42
